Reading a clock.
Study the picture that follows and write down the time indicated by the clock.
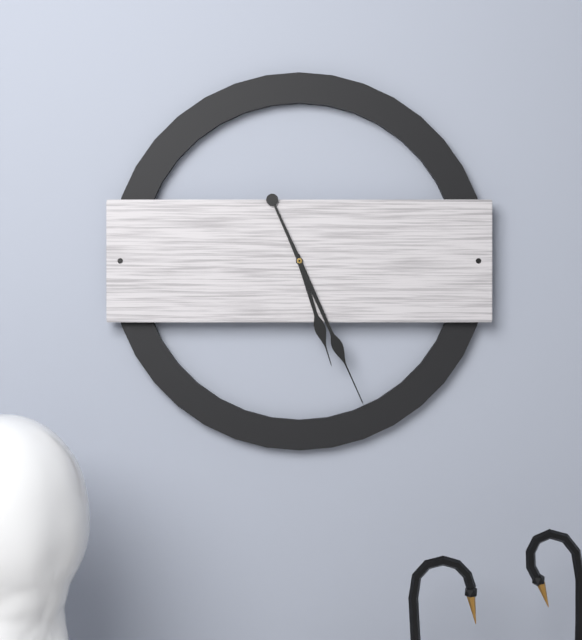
5:26
